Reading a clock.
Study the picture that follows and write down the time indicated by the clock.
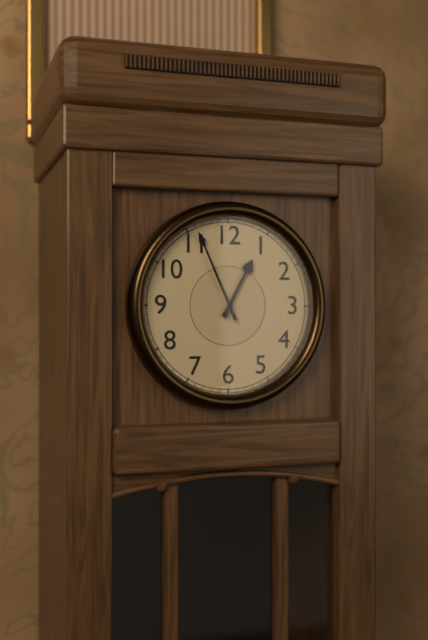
12:56
